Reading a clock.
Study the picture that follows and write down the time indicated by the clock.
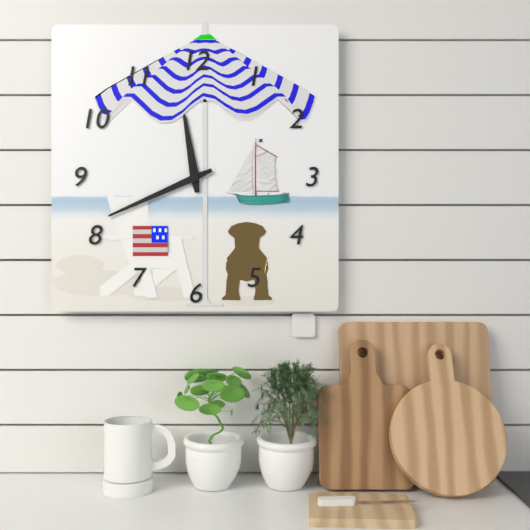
11:41
